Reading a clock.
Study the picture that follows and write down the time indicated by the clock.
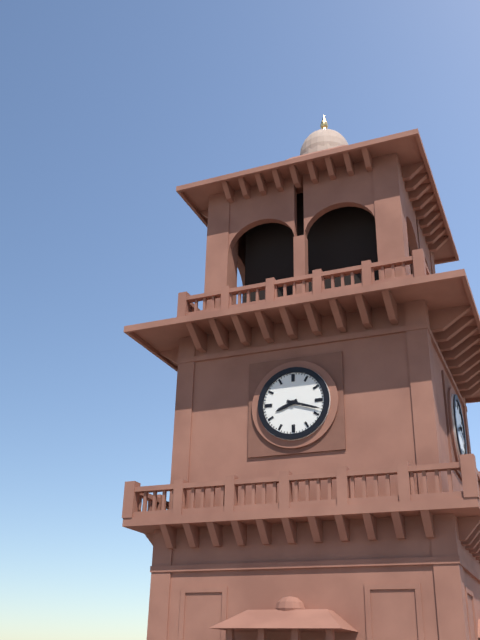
8:18
